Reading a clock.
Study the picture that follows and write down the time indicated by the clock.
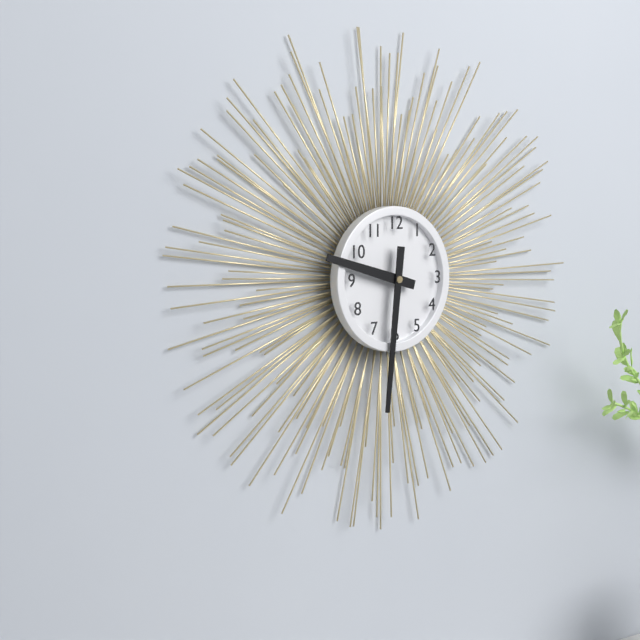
9:31
